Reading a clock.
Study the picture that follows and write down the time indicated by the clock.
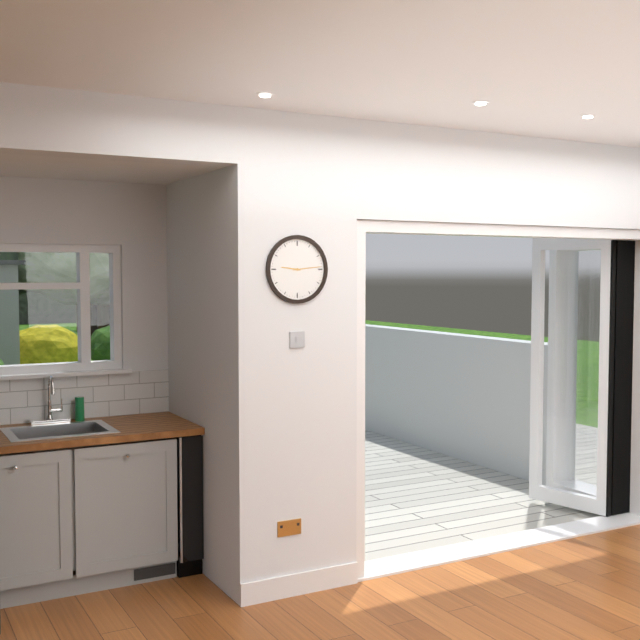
9:14
